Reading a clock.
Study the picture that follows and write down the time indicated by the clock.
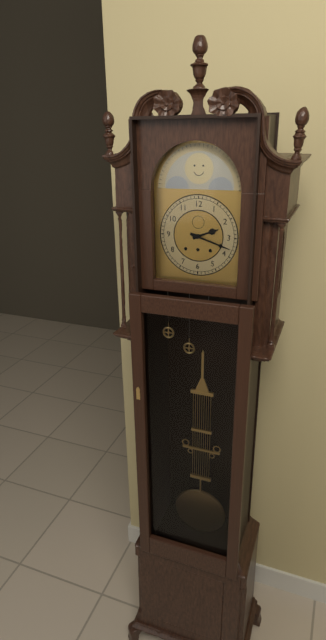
2:18
